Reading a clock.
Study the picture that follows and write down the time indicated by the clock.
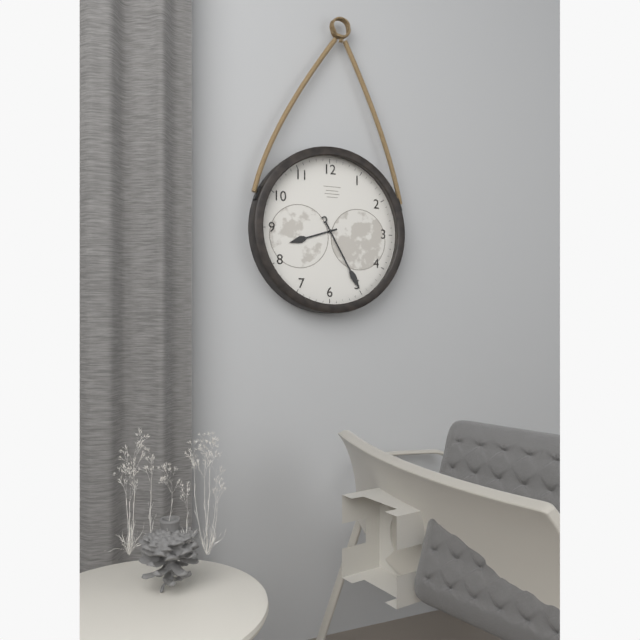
8:25
